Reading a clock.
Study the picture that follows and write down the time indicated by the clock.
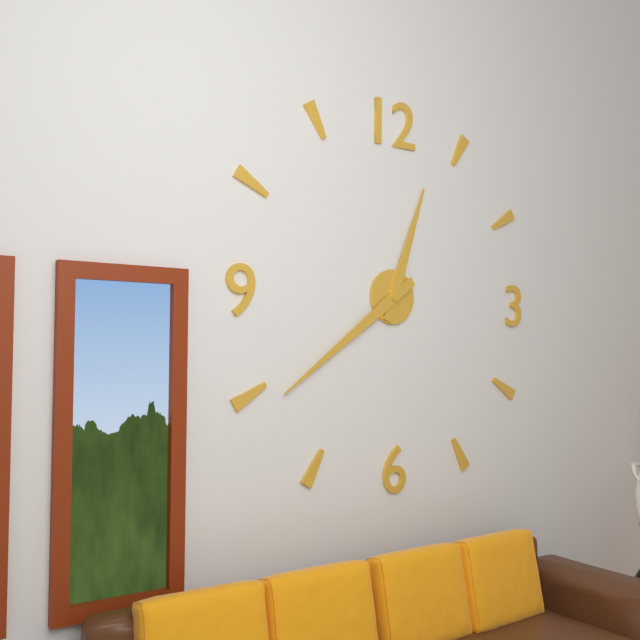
12:39
